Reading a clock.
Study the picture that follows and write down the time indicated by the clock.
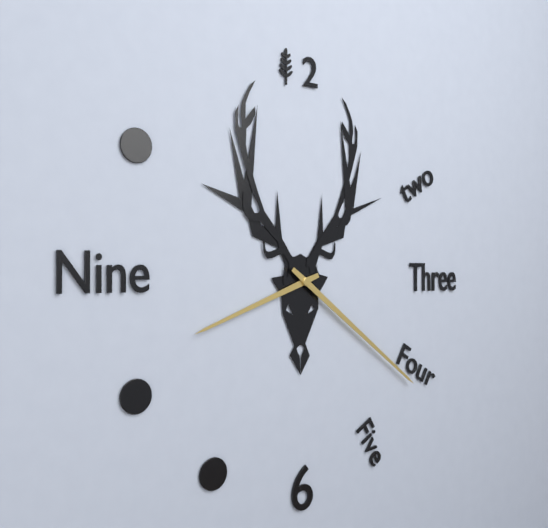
8:21
